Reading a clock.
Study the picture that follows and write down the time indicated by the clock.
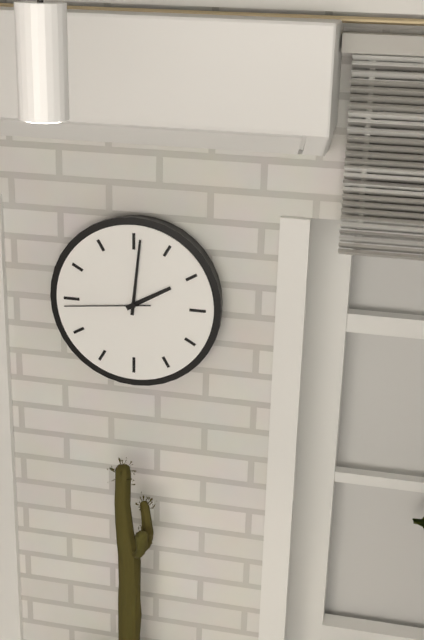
2:01:44
